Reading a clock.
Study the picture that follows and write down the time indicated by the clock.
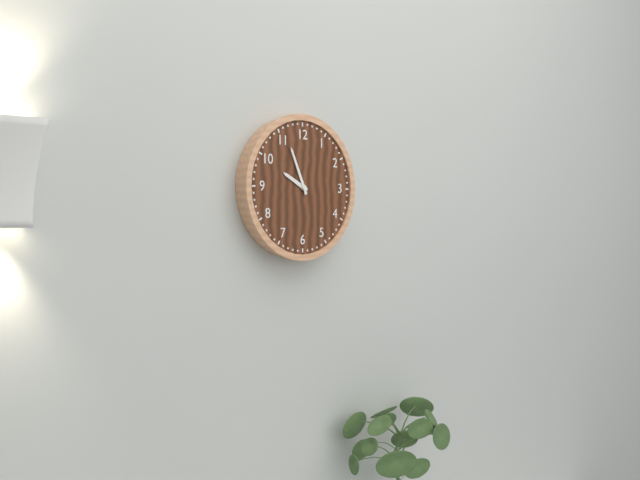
9:56
